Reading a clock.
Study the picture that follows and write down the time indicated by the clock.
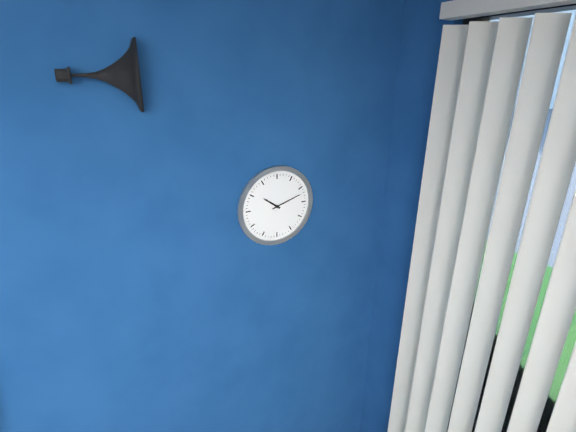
10:12
